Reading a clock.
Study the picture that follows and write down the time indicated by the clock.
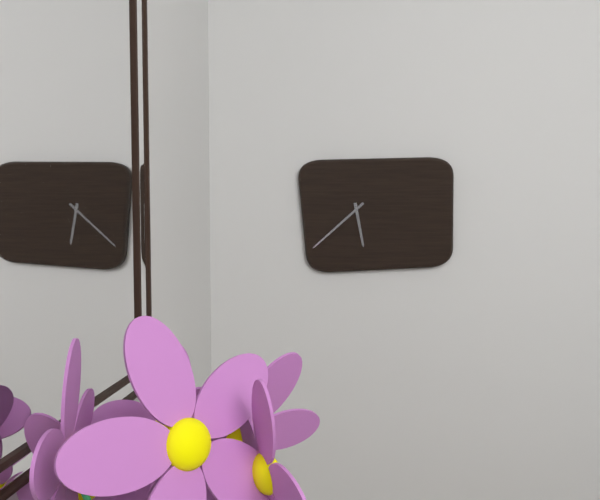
5:38
